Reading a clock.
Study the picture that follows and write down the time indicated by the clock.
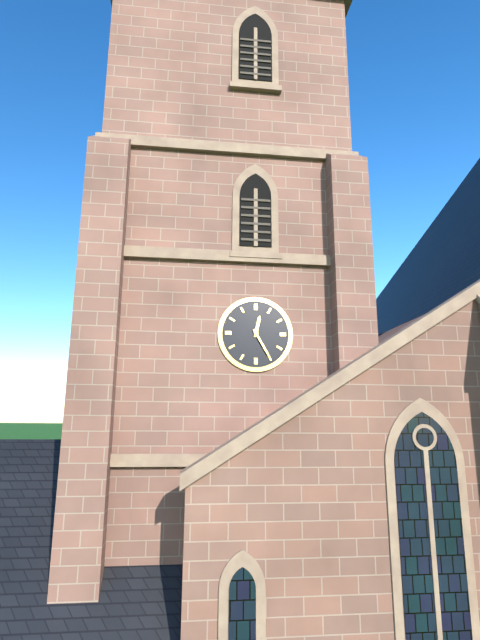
12:25
